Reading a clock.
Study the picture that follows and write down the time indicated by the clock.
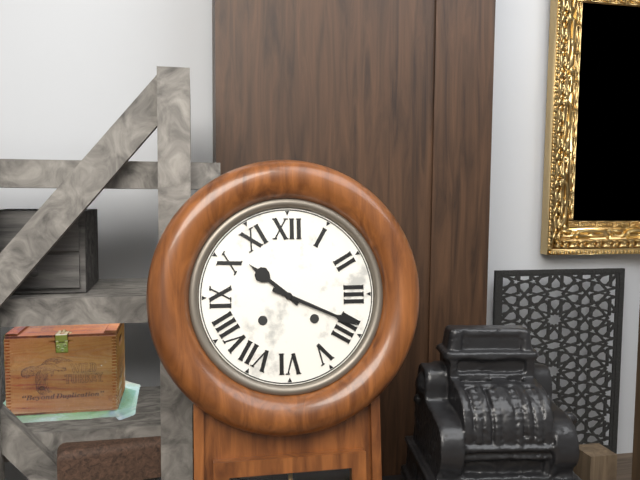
10:19
